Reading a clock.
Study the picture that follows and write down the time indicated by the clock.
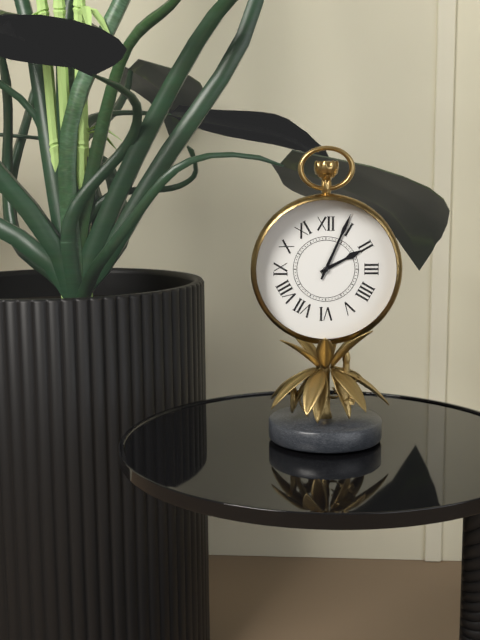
2:04
